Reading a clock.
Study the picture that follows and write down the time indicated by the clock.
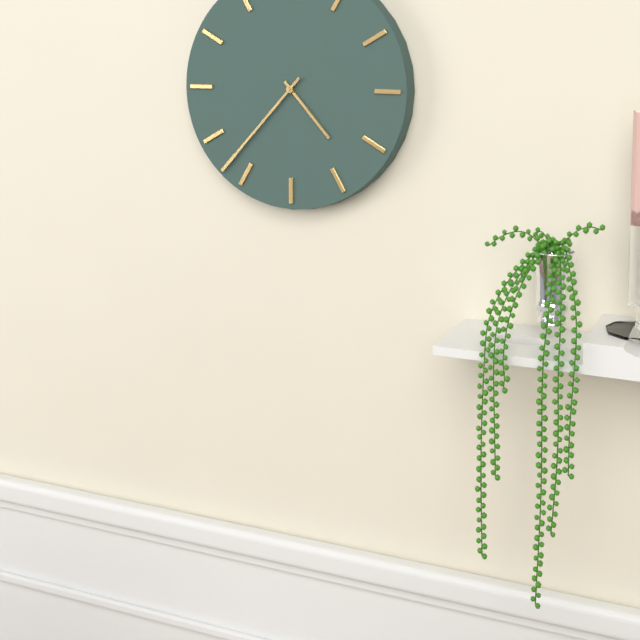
4:37
